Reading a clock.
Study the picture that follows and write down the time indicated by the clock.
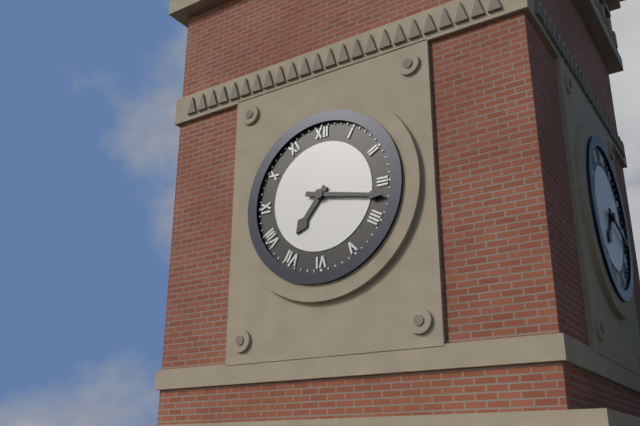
7:17
